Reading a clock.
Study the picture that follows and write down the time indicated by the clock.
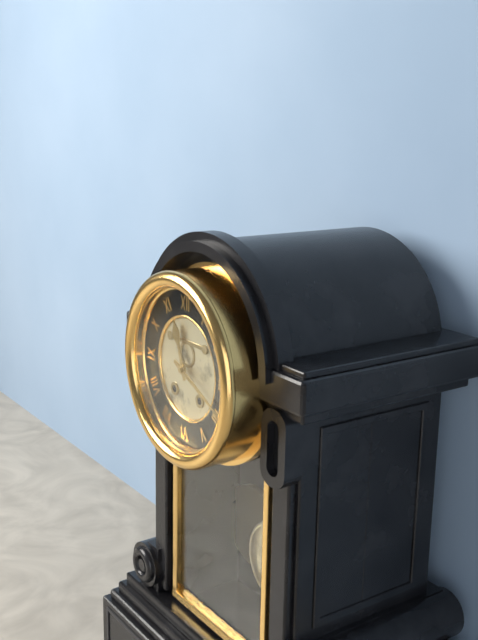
11:19
